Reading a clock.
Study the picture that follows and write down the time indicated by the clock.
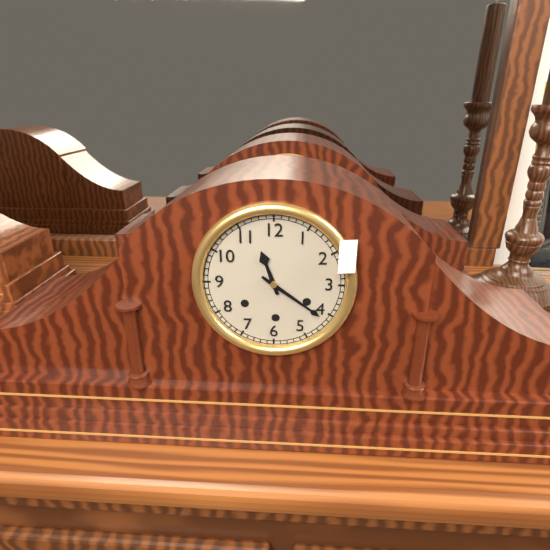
11:21
